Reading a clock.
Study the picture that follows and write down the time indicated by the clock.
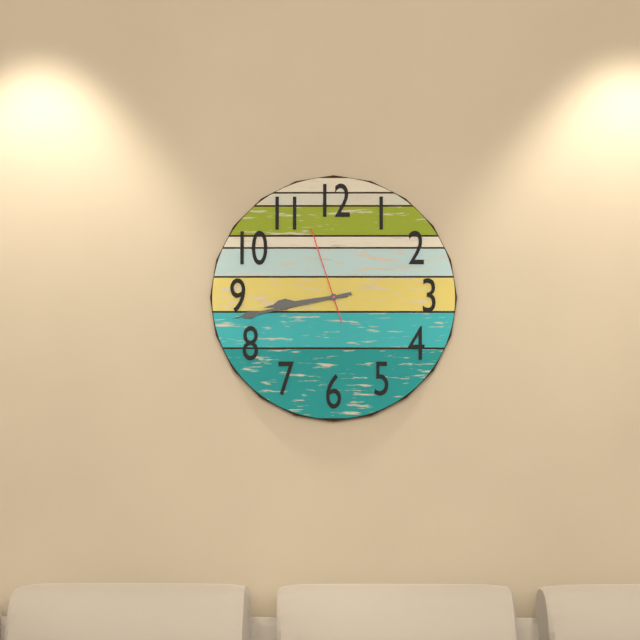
8:43:57
